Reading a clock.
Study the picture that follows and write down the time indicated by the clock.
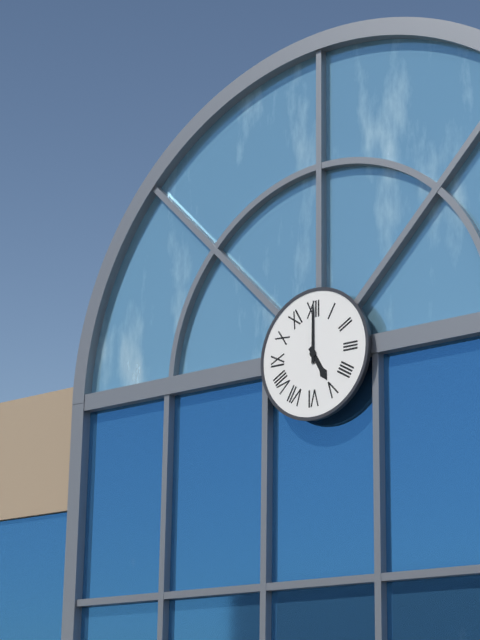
5:00
